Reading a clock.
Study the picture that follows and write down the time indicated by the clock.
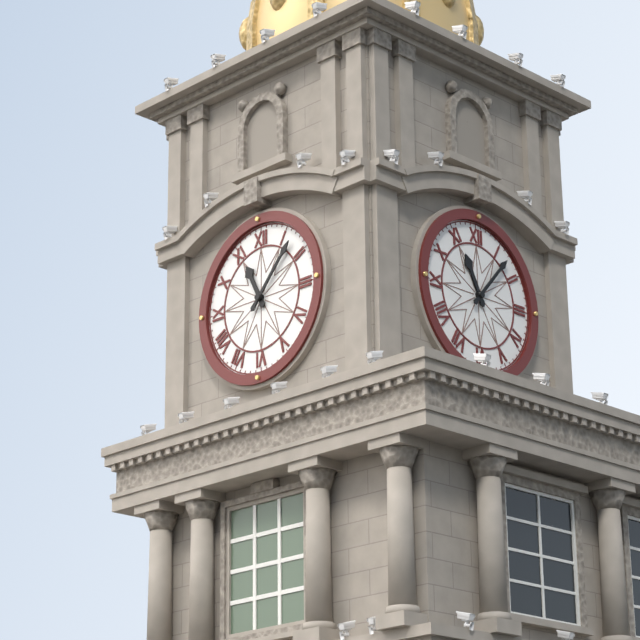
11:07
